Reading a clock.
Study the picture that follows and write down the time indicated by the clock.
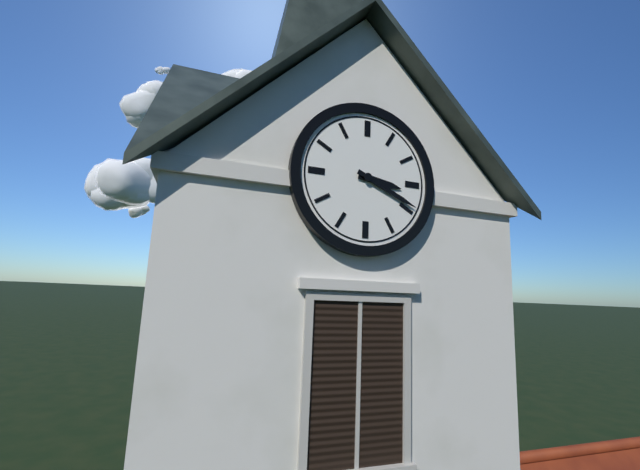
3:19
